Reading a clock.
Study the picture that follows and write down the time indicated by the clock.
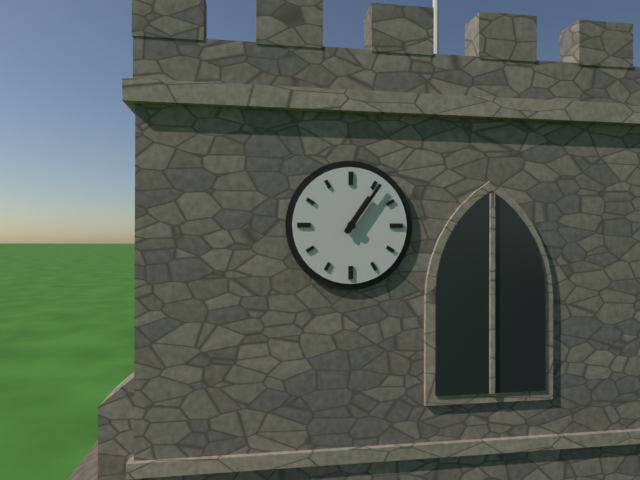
1:06
